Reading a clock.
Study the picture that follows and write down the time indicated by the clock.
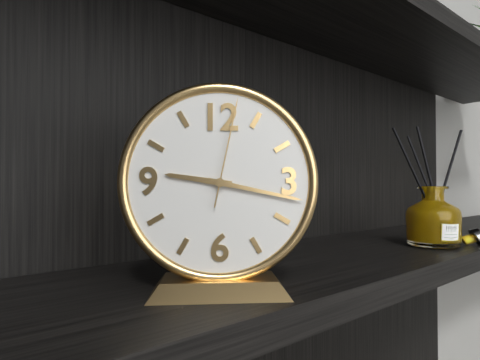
9:17:02
